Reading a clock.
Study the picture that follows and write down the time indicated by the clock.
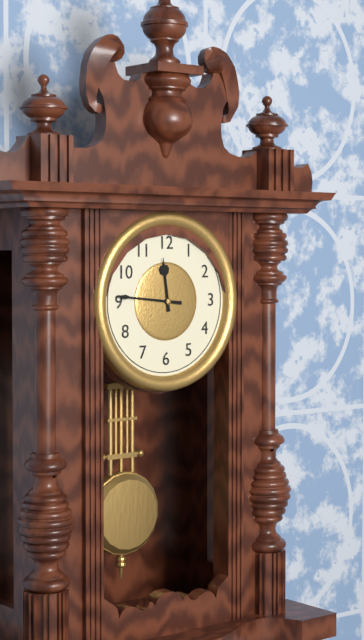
11:46
